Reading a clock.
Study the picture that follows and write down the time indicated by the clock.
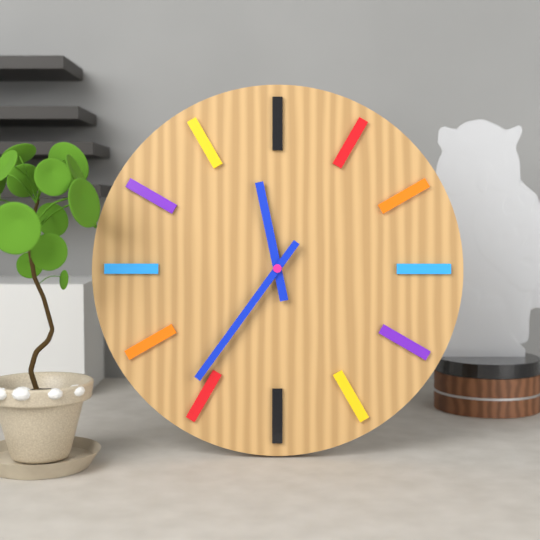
11:36
